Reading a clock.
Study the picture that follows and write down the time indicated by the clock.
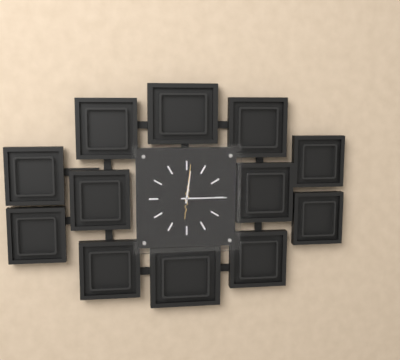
12:15
